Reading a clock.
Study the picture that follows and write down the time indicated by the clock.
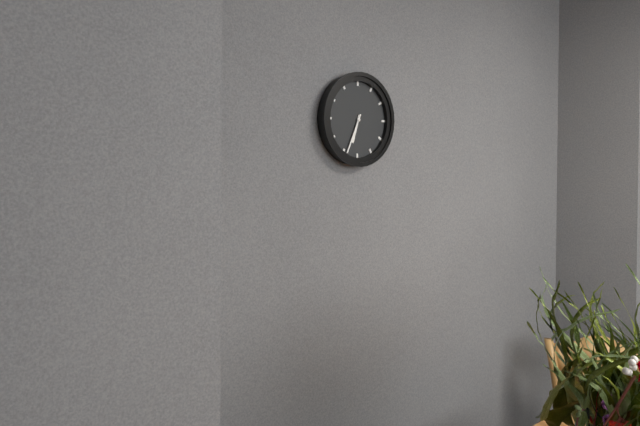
6:34
